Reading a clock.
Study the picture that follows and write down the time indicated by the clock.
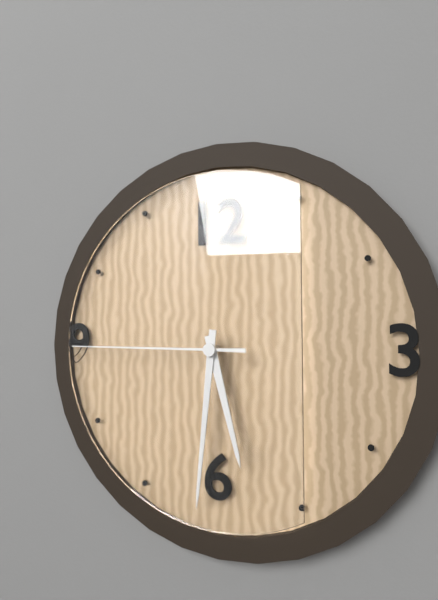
5:31:45
